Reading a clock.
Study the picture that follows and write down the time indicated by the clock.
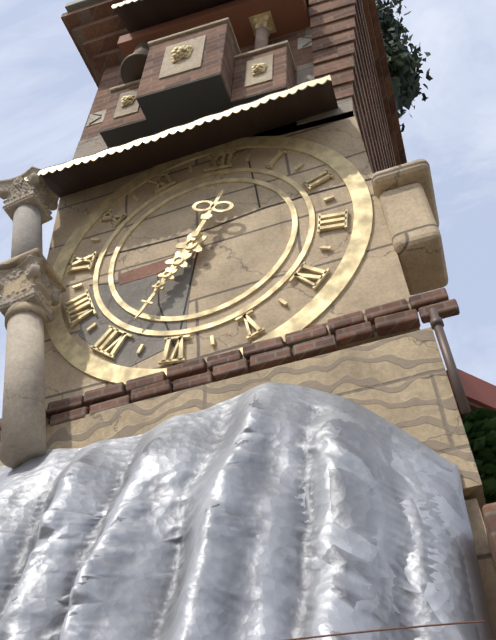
12:34
